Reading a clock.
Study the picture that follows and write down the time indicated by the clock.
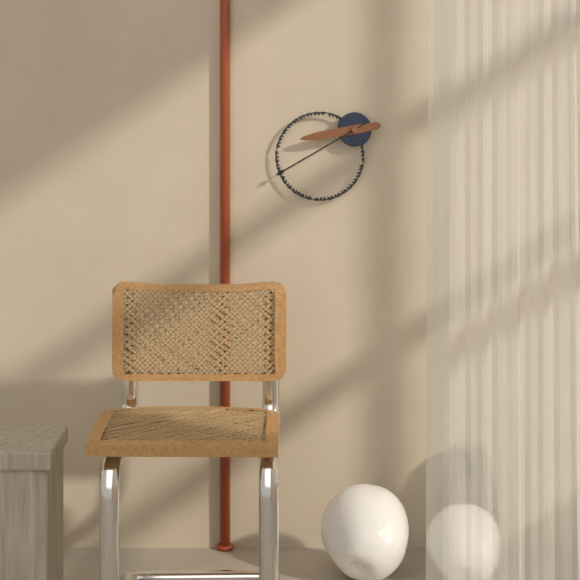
8:40
